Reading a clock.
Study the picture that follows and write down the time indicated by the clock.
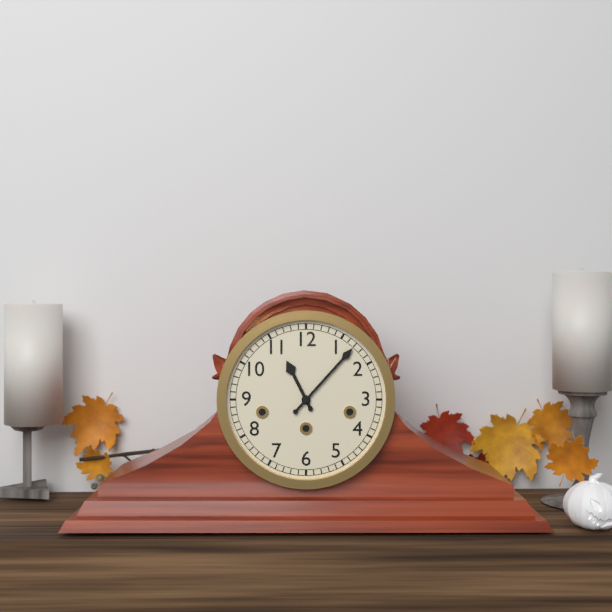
11:07
